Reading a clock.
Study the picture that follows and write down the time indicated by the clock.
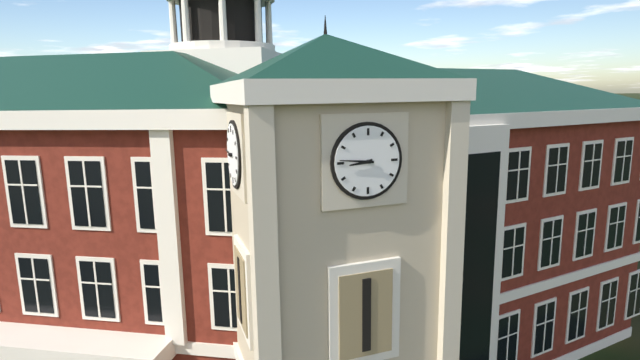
8:46
